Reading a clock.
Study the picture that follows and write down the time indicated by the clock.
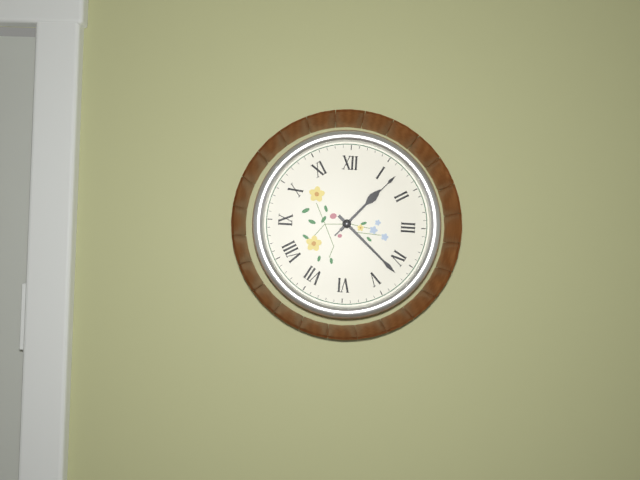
1:22:07
